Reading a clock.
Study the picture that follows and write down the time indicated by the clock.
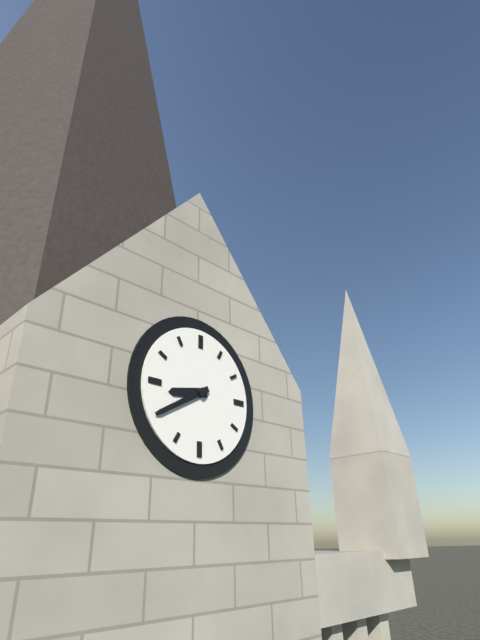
8:40
